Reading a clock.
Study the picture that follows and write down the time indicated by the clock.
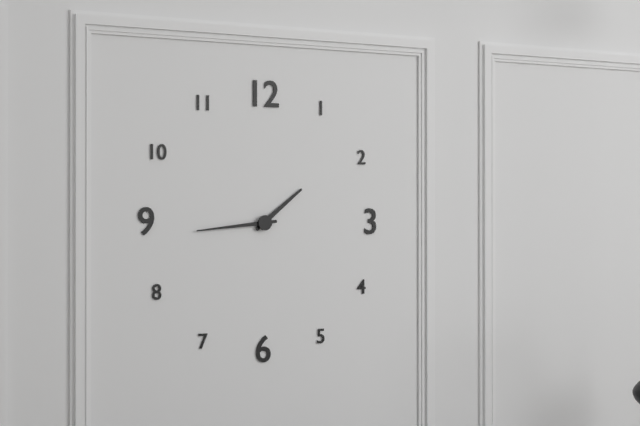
1:44
